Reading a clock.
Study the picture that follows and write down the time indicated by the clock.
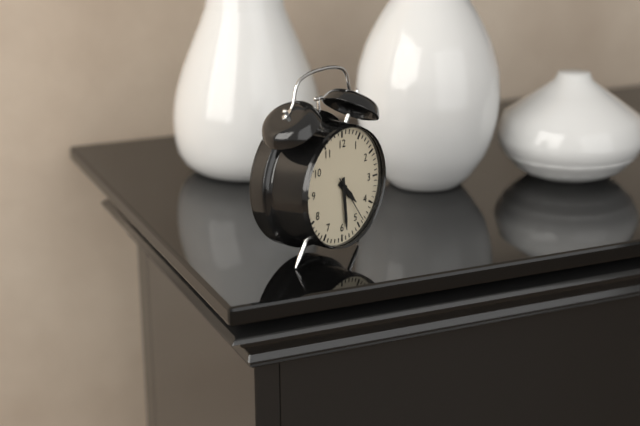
4:29
